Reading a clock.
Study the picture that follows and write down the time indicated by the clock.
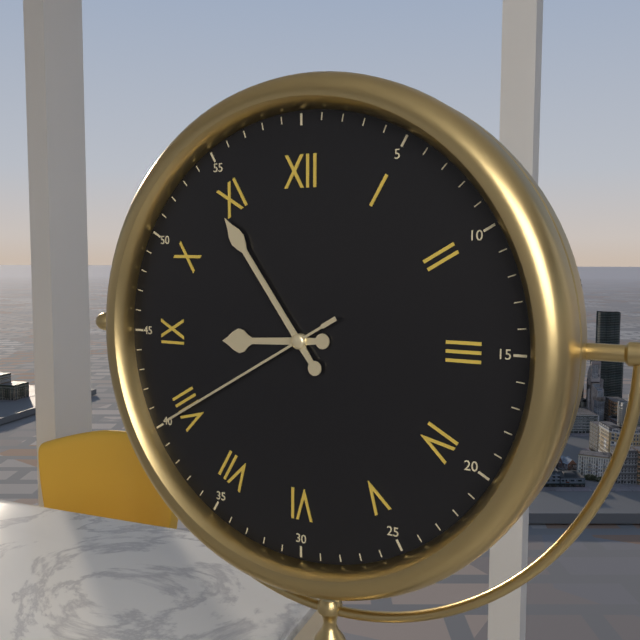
8:54:40
